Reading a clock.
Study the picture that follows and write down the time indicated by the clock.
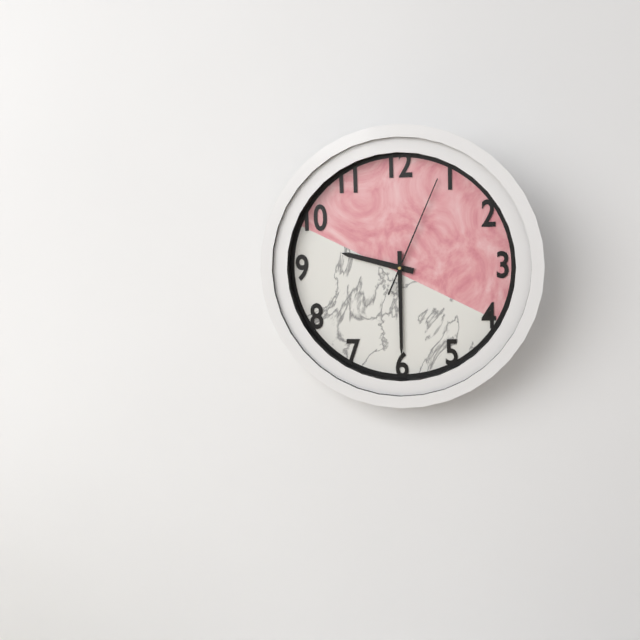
9:30:04
